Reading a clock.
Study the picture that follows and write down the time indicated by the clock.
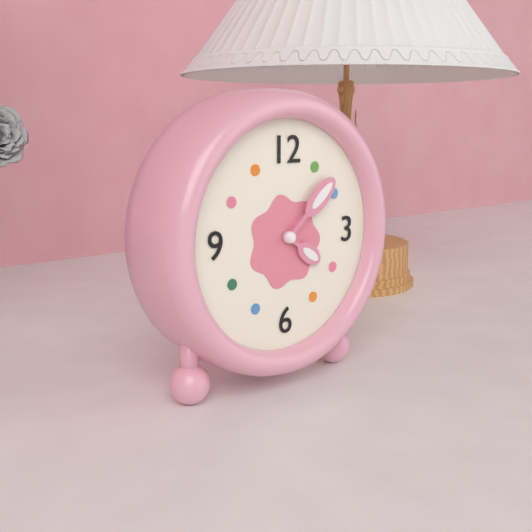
4:08
